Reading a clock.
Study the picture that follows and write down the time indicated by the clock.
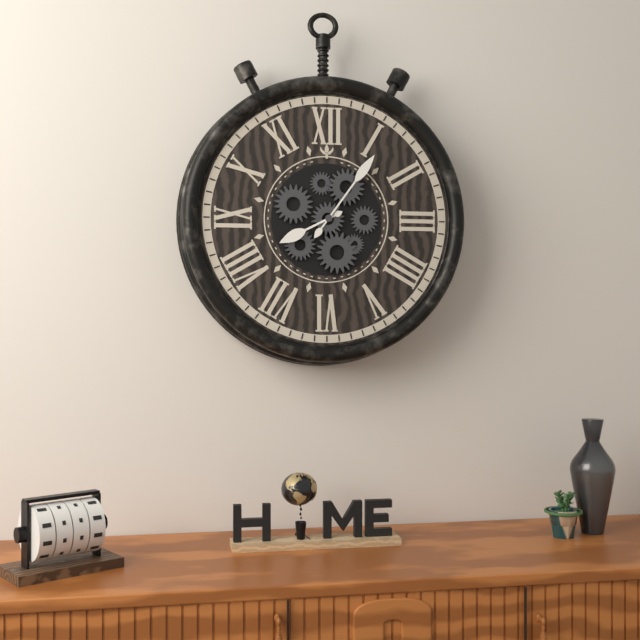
8:06
